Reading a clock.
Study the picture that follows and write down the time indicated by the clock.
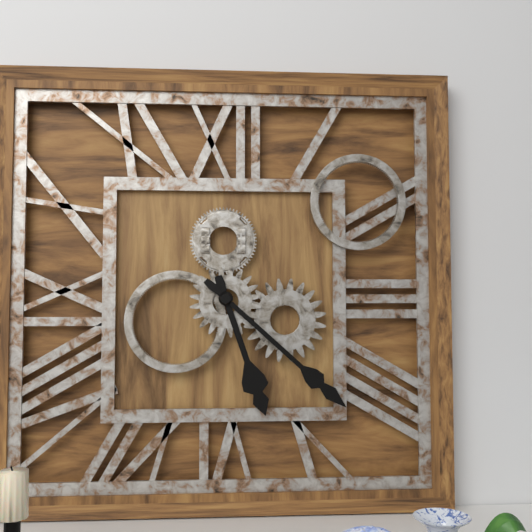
5:22
